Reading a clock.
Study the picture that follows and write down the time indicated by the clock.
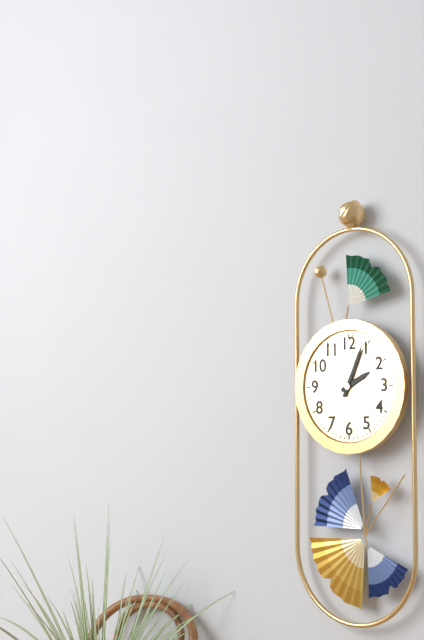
2:04
